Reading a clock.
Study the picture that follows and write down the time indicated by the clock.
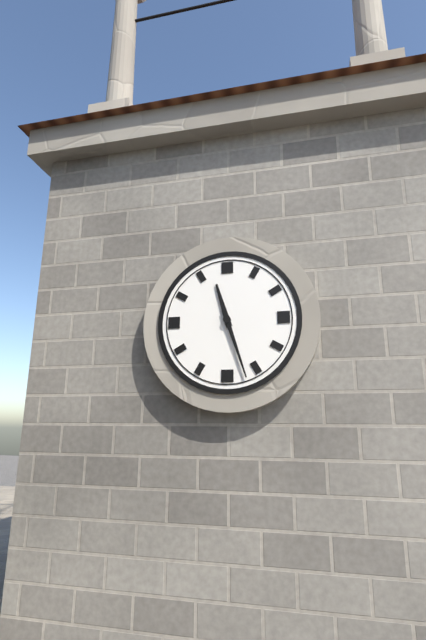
11:27
